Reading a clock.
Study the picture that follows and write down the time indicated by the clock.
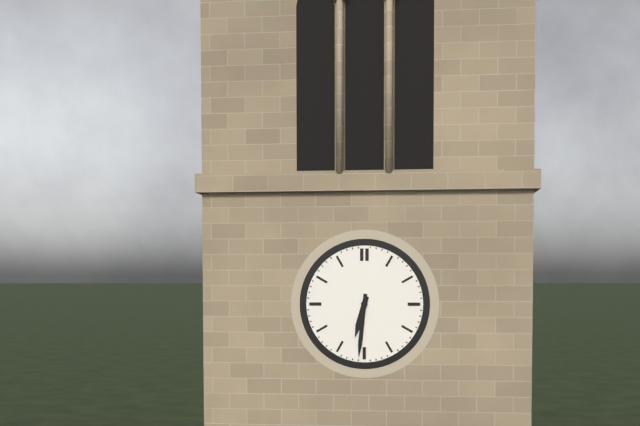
6:31
